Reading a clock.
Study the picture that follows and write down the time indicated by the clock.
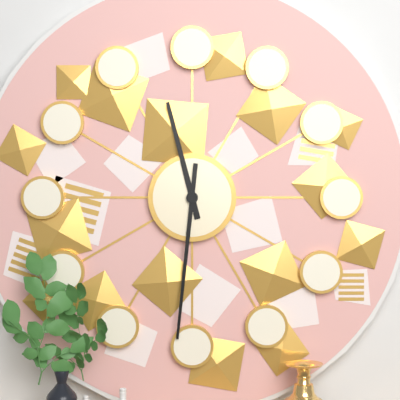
11:31
